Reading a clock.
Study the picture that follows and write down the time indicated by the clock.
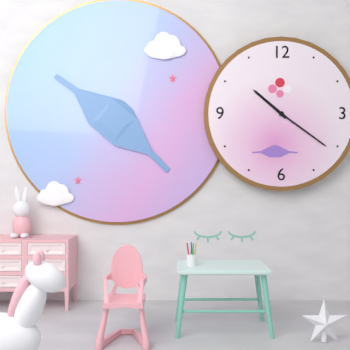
10:21
